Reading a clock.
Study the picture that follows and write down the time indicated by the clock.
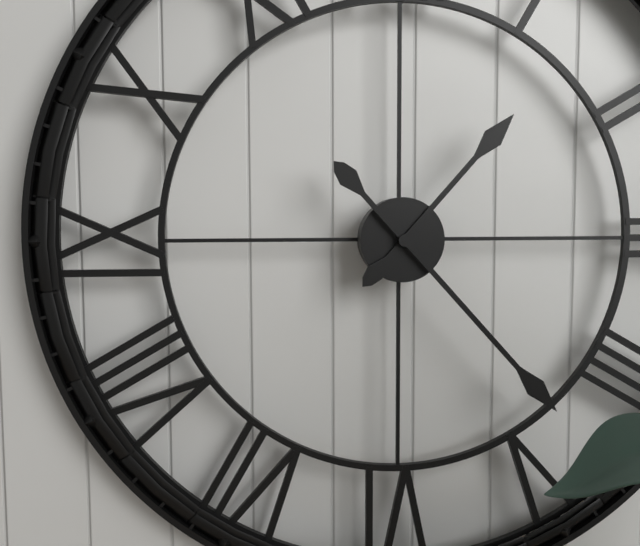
1:23
